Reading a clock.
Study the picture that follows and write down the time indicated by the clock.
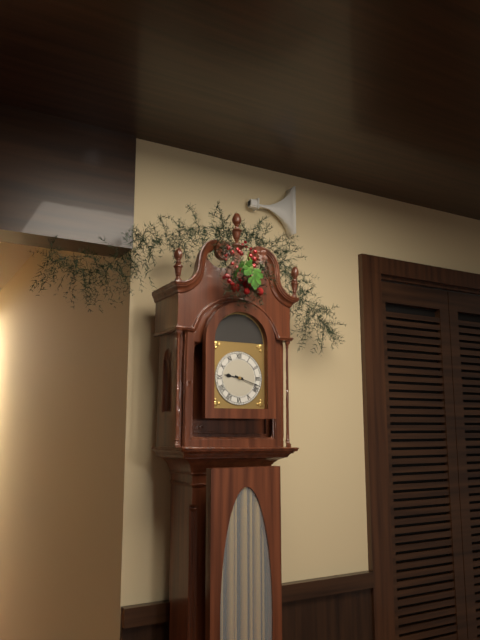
9:18
